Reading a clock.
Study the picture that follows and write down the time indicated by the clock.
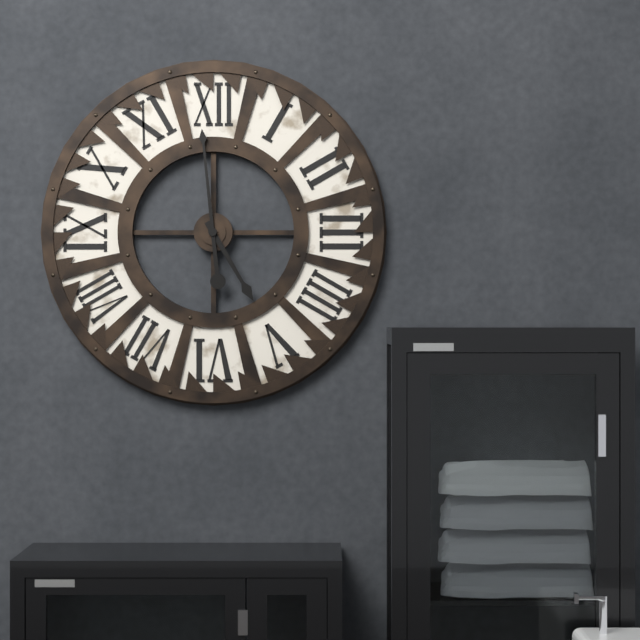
4:59
